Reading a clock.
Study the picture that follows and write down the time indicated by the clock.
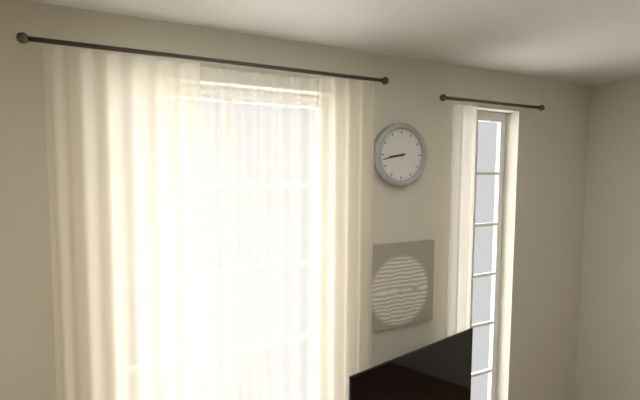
8:43
